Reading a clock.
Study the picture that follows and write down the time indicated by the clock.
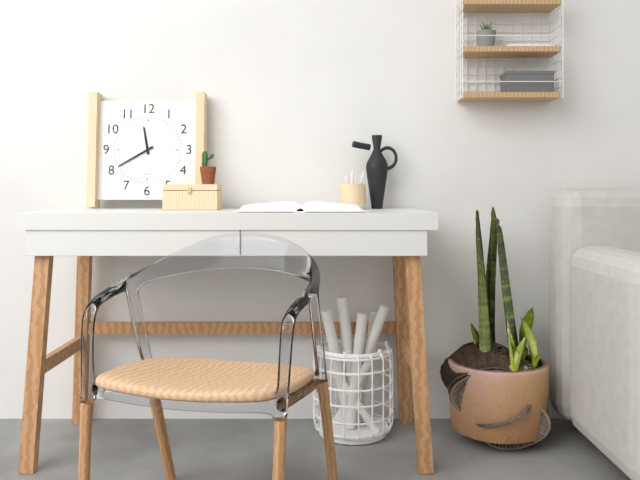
11:40
